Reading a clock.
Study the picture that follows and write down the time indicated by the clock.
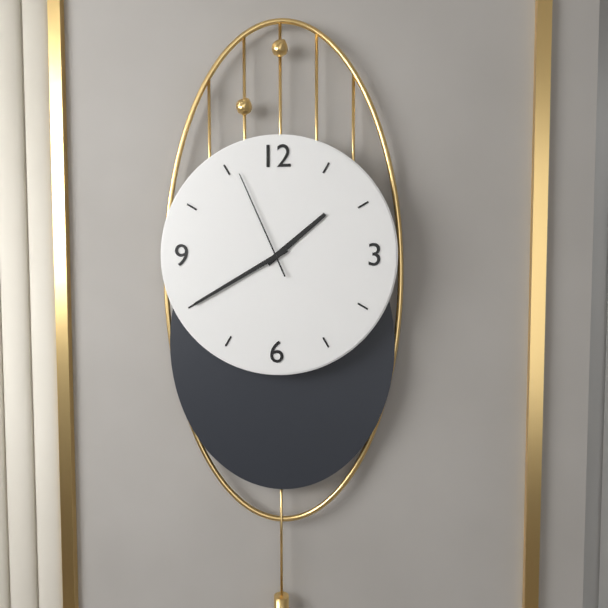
1:40:56
